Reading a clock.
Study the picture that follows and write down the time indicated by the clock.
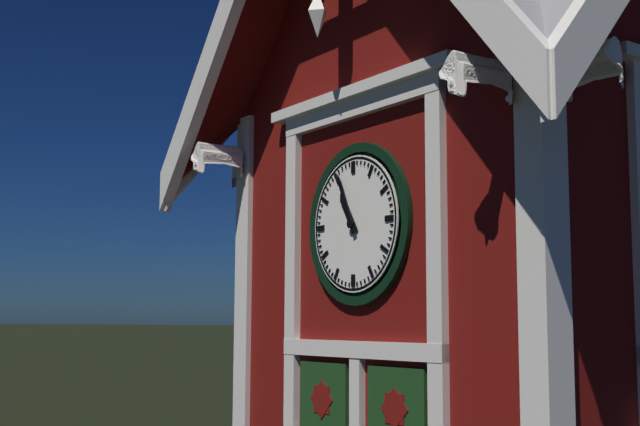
10:56
